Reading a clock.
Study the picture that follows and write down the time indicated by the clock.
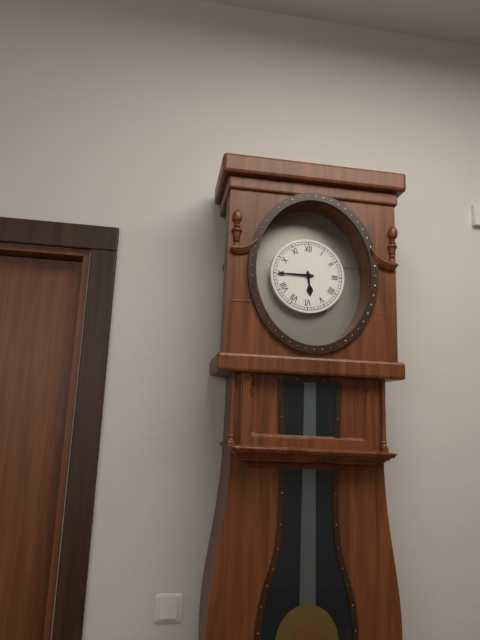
5:45
